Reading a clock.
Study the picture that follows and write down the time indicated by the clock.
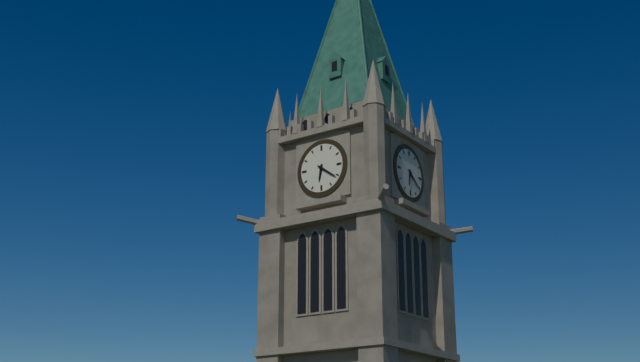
6:21
